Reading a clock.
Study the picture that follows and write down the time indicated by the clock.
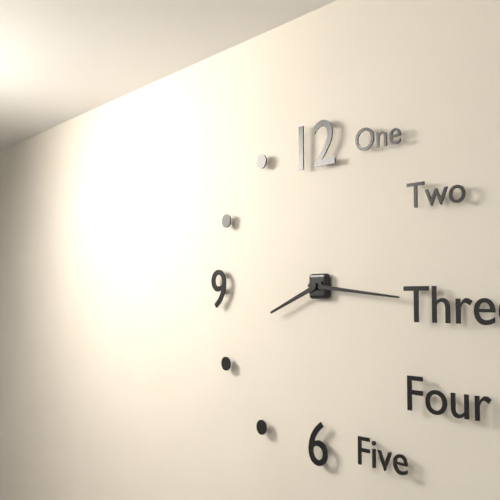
8:16
